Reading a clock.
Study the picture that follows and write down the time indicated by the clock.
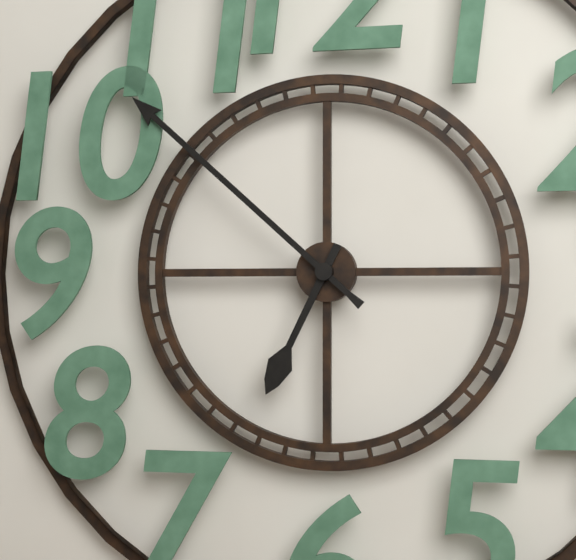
6:52
